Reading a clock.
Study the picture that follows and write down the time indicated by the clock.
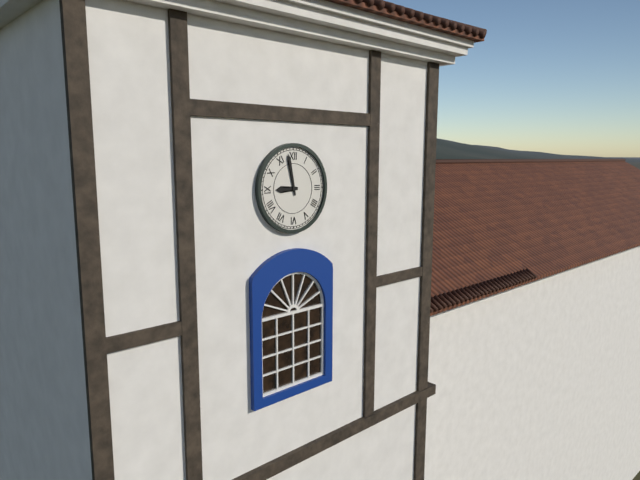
8:58
